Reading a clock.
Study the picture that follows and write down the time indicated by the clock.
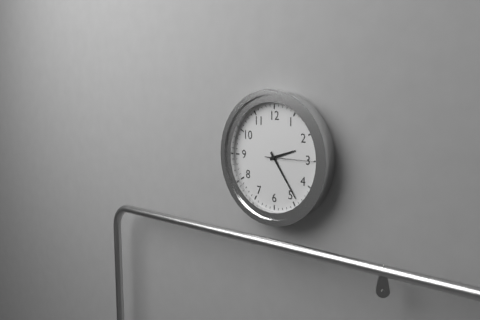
2:24
